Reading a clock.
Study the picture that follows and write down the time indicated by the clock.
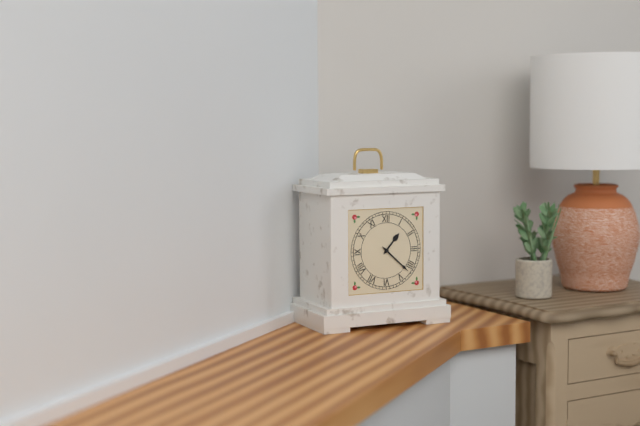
1:22
